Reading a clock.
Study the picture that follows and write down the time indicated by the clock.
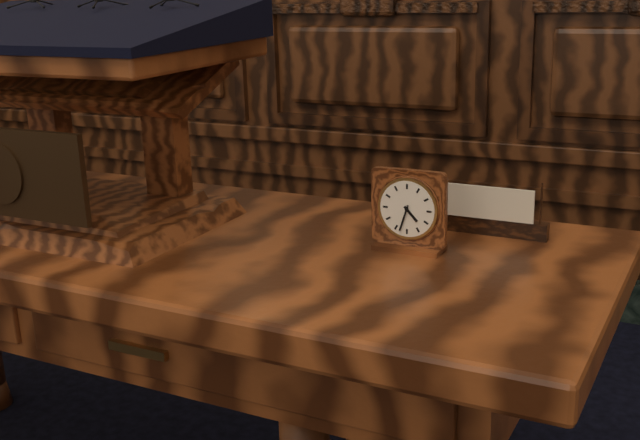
4:33
